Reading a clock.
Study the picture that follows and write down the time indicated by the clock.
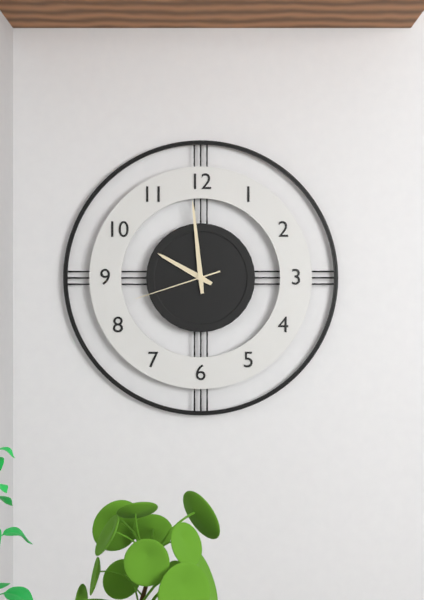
9:59:42
